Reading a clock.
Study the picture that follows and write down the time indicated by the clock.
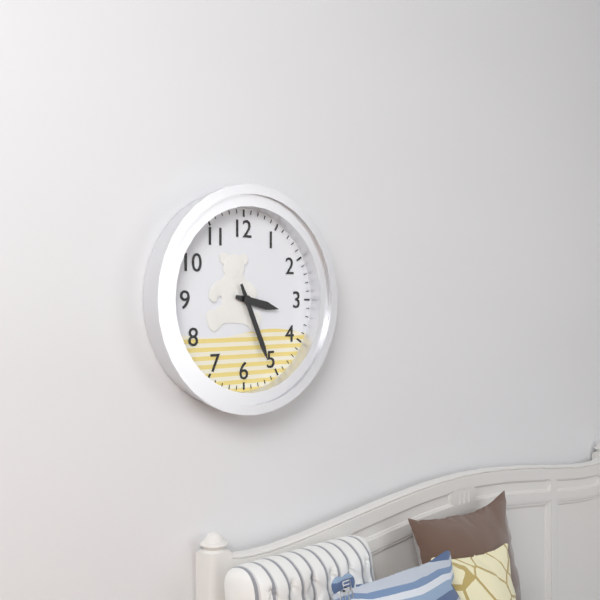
3:26
